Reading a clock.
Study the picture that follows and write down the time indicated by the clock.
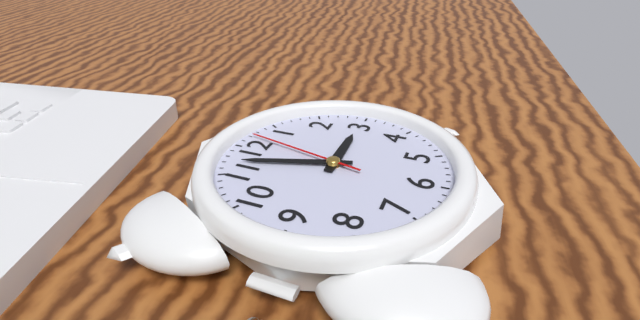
2:57:02
